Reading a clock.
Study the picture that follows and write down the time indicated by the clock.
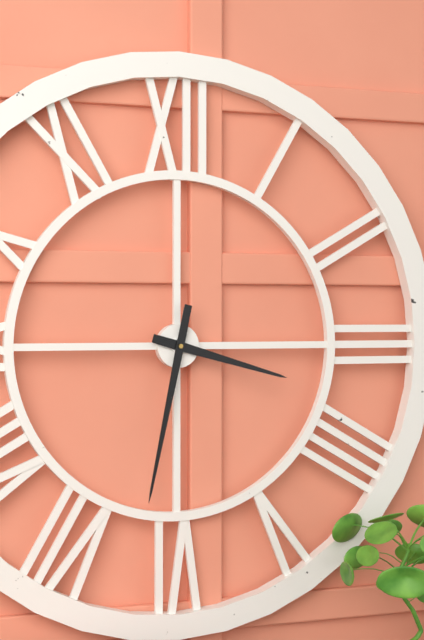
3:32
